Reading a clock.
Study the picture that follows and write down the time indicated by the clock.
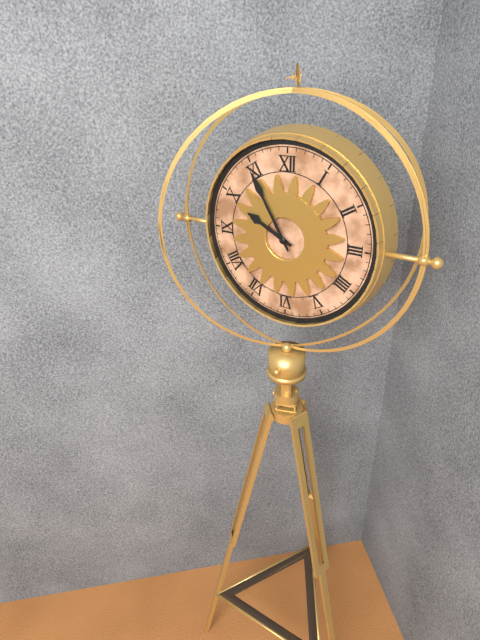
9:55
